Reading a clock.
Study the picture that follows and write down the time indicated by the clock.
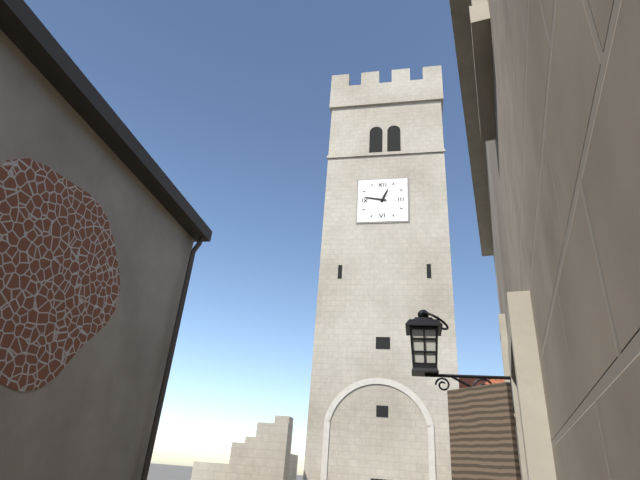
12:47
